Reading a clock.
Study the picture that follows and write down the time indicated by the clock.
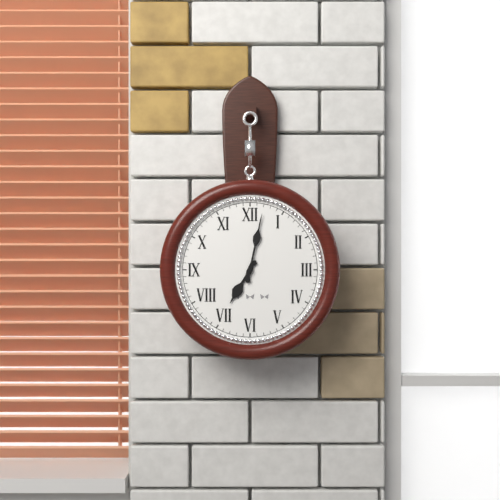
7:02
